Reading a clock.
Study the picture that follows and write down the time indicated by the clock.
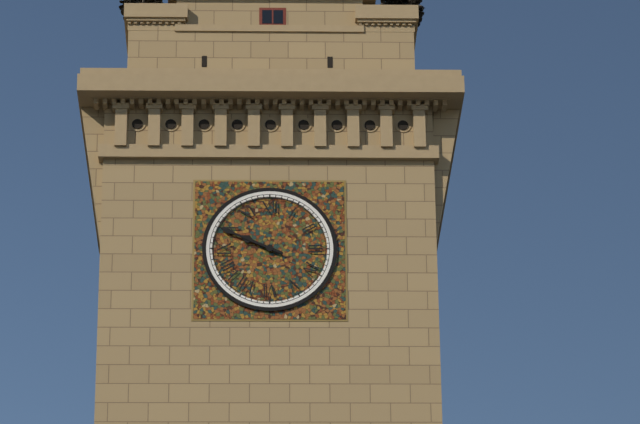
9:49
